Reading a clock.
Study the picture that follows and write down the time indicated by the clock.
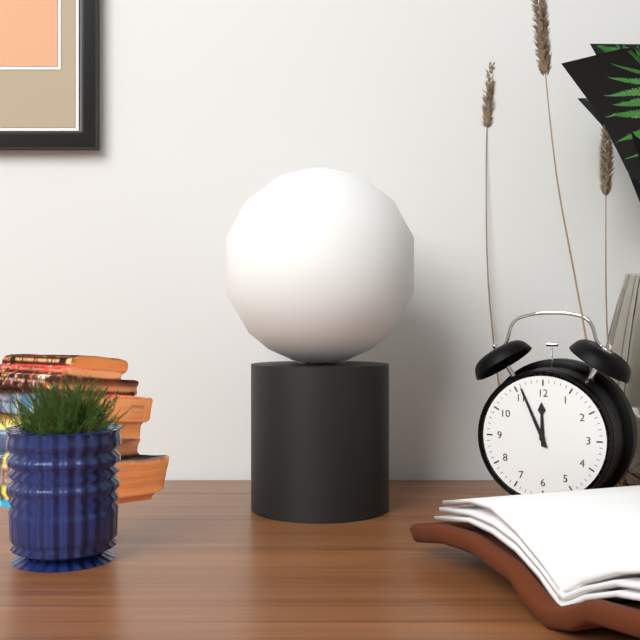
11:56
